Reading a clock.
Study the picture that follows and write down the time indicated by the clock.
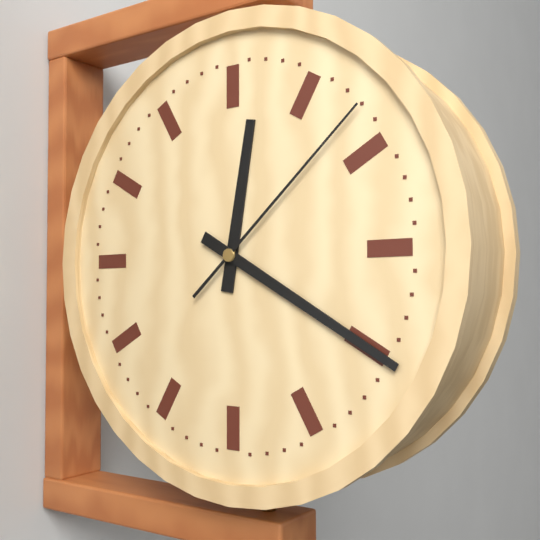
12:20:08
